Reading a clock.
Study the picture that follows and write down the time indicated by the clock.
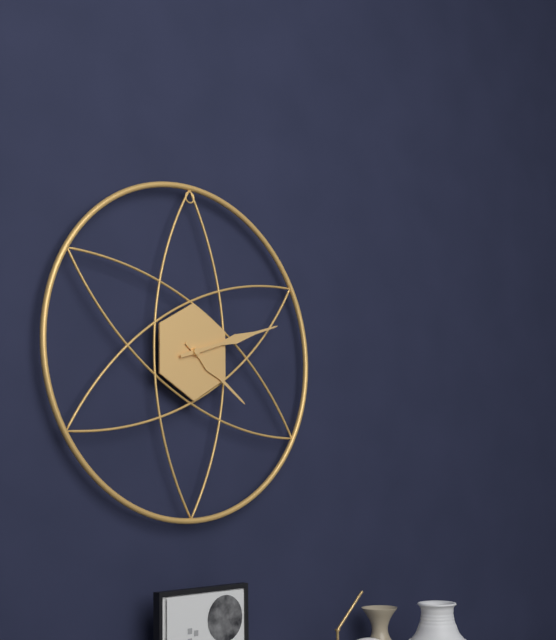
4:12
